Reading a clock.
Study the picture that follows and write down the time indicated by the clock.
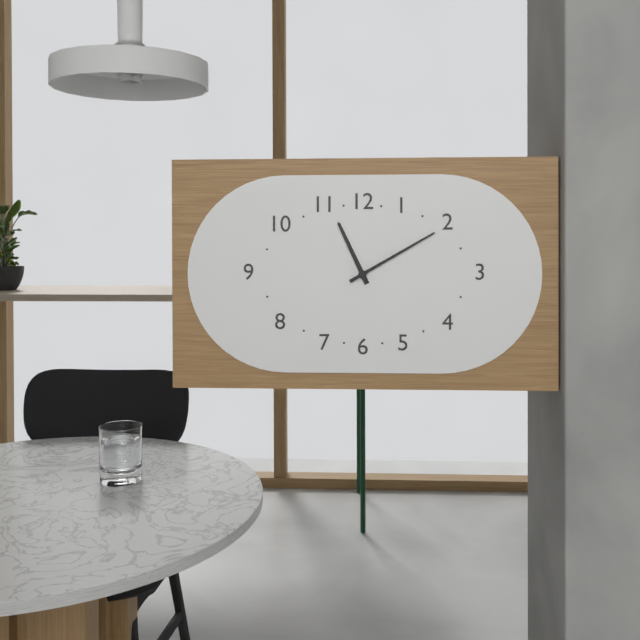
11:10
